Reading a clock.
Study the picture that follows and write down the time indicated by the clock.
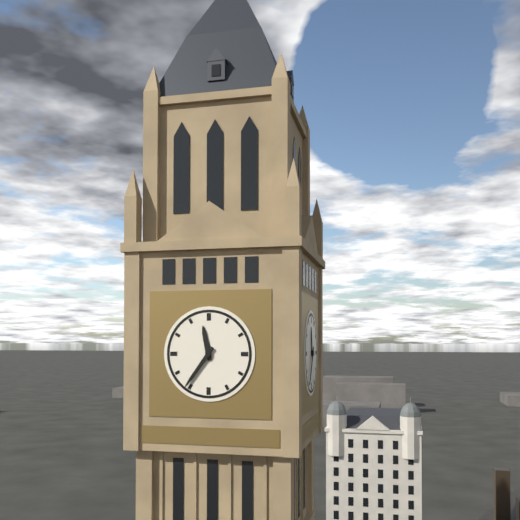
11:36
